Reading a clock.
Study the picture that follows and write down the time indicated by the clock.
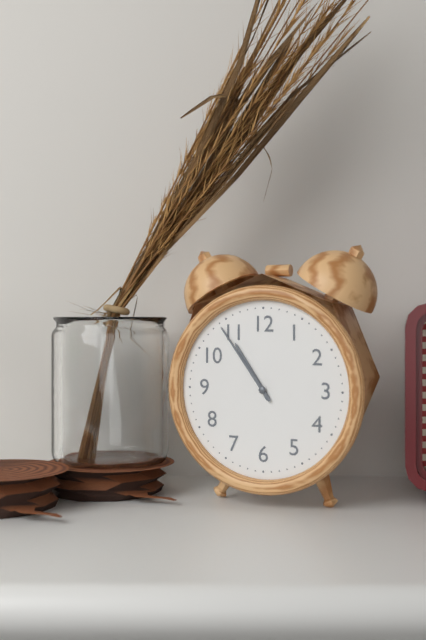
10:54
